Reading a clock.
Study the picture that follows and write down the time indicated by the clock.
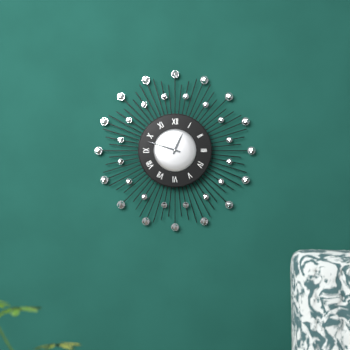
12:48
